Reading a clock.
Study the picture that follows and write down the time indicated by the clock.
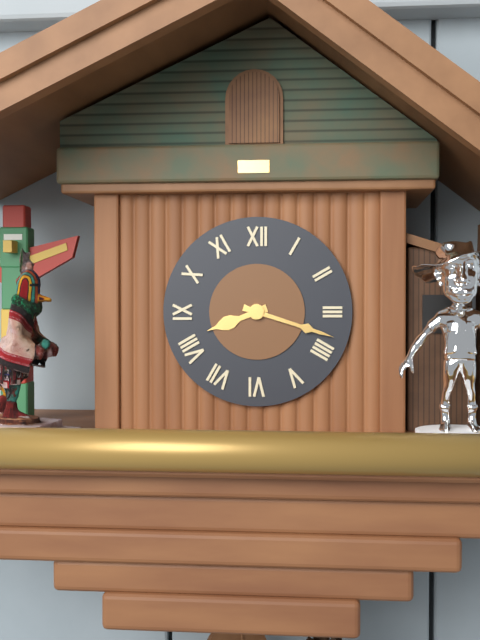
8:18
